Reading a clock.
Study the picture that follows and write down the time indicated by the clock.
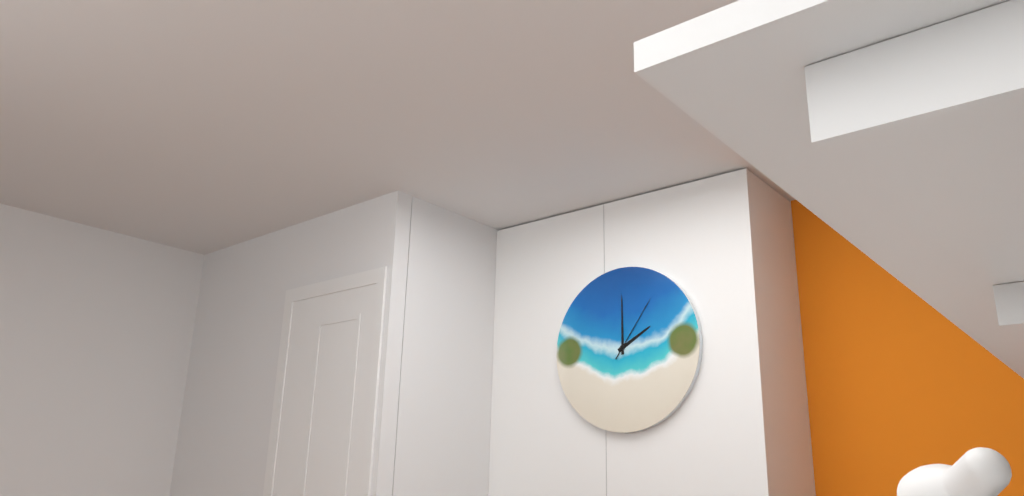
2:00:06
